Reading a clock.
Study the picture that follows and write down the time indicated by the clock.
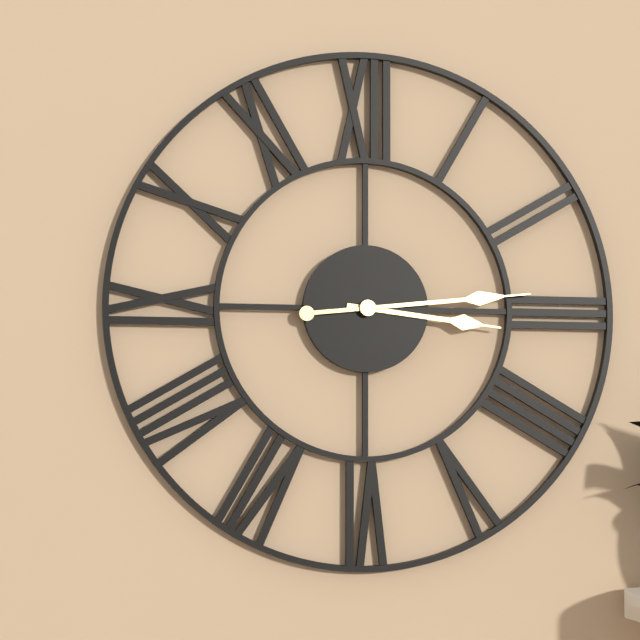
3:14
